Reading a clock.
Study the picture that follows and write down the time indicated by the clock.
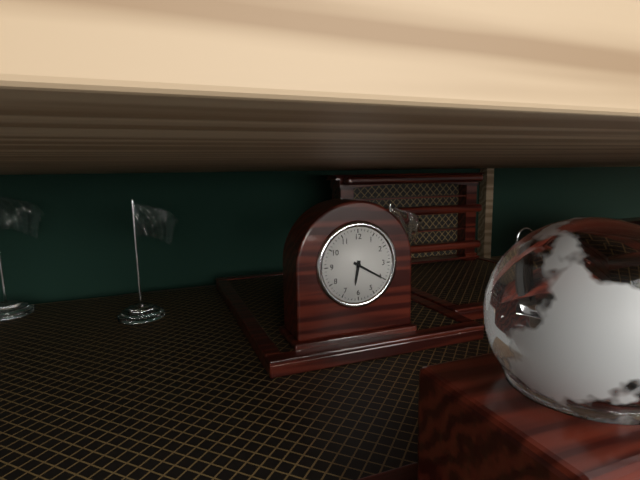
6:20
